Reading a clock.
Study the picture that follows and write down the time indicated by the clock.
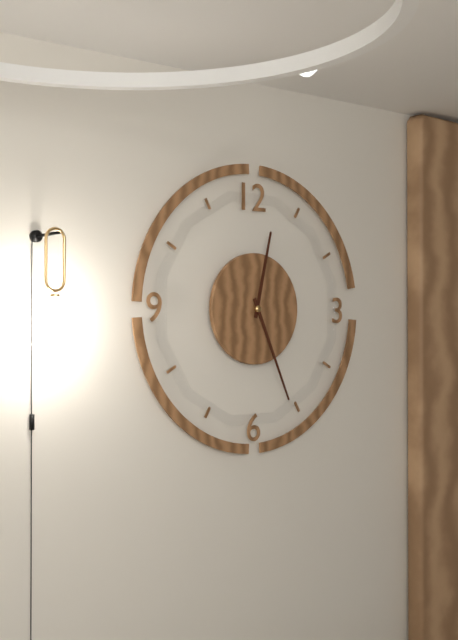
12:26
